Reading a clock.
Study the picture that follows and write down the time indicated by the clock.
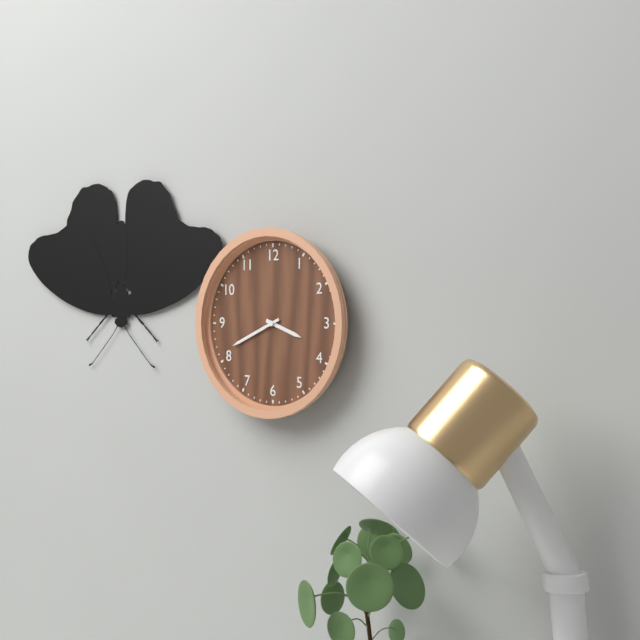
3:41
